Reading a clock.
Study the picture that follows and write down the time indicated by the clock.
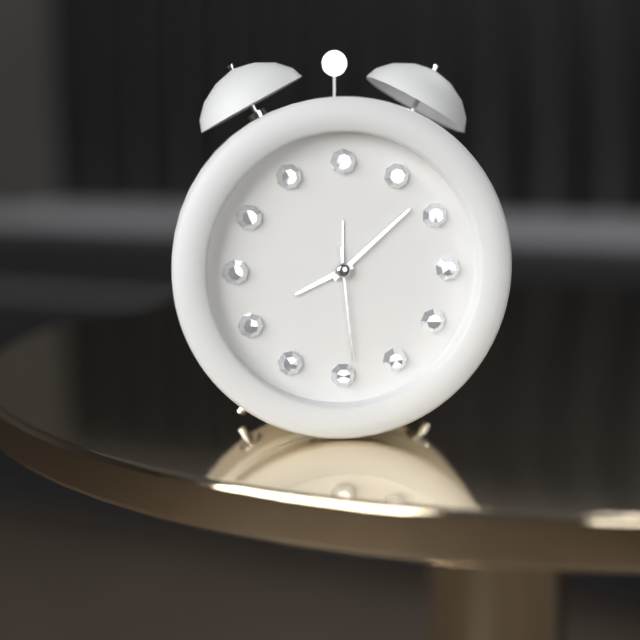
8:08:29
